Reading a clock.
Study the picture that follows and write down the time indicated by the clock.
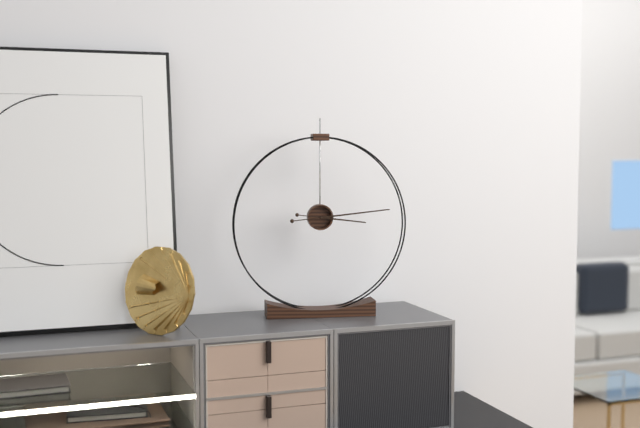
3:14
